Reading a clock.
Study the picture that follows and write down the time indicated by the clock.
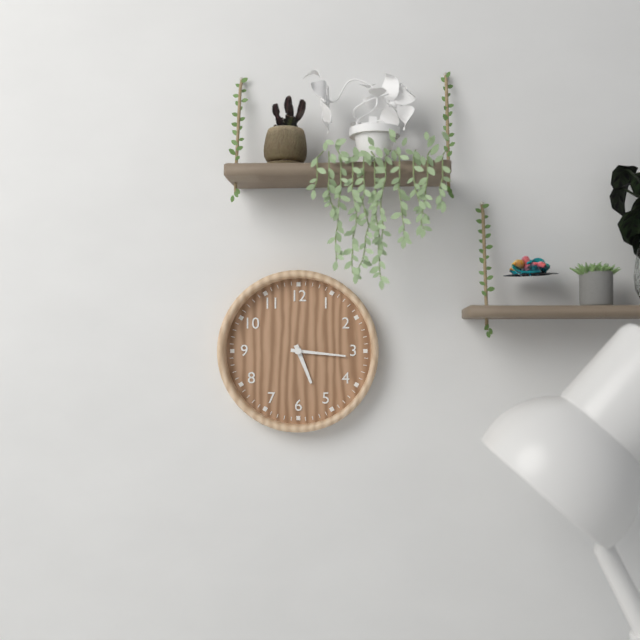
5:16
